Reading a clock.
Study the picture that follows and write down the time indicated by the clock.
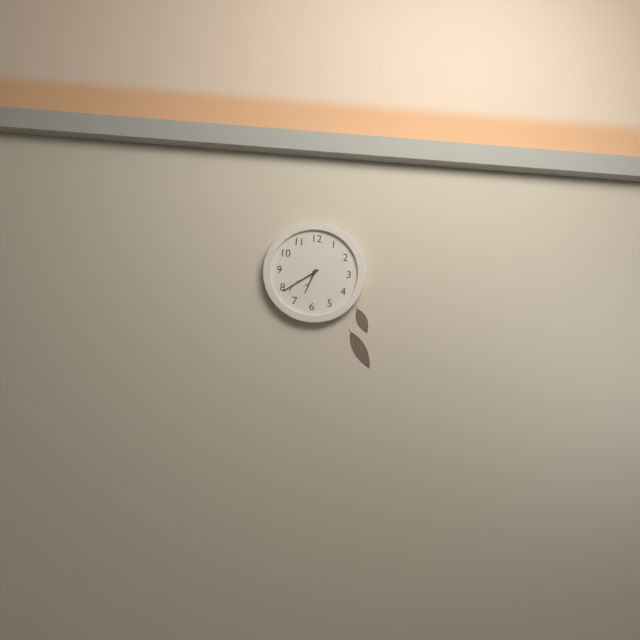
6:39
